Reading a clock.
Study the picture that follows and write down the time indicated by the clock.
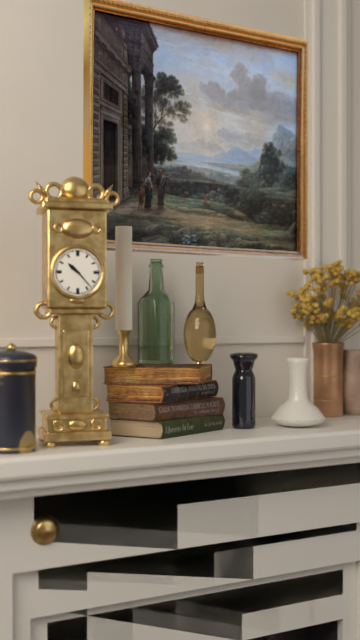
10:23
